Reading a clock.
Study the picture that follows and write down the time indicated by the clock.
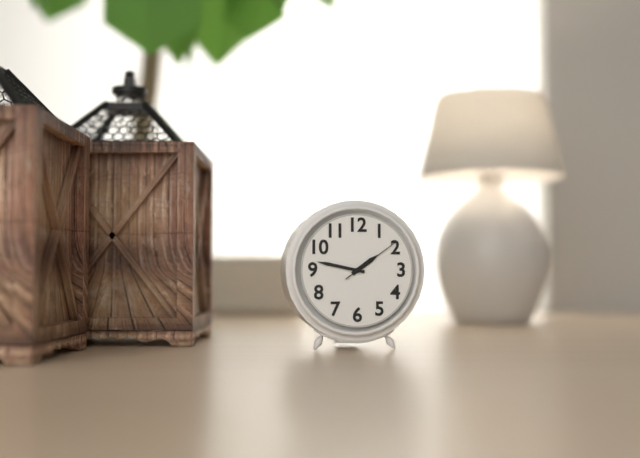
1:47:09
